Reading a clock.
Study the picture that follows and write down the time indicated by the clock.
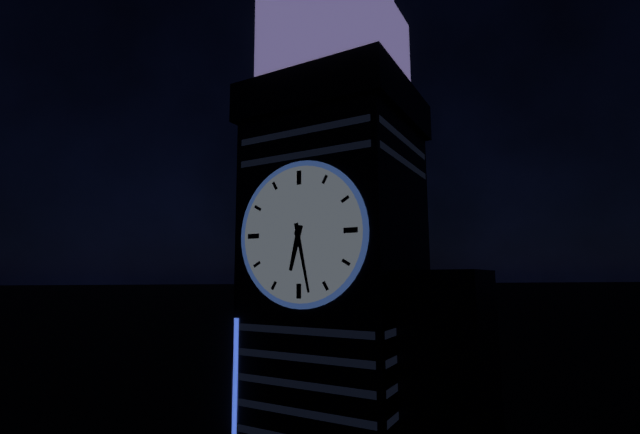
6:28
